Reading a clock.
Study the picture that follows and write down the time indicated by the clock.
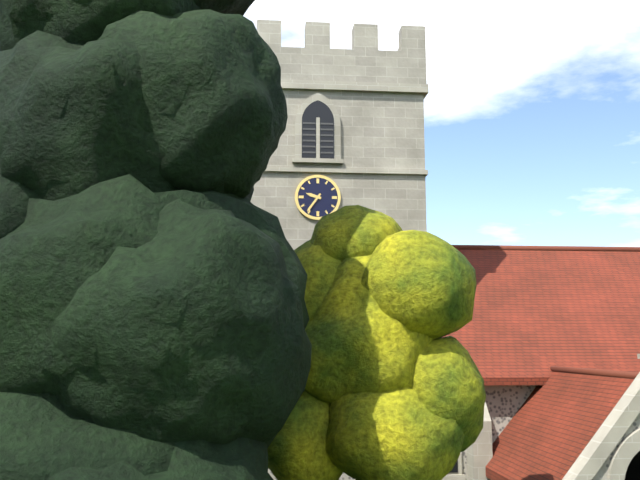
9:36
